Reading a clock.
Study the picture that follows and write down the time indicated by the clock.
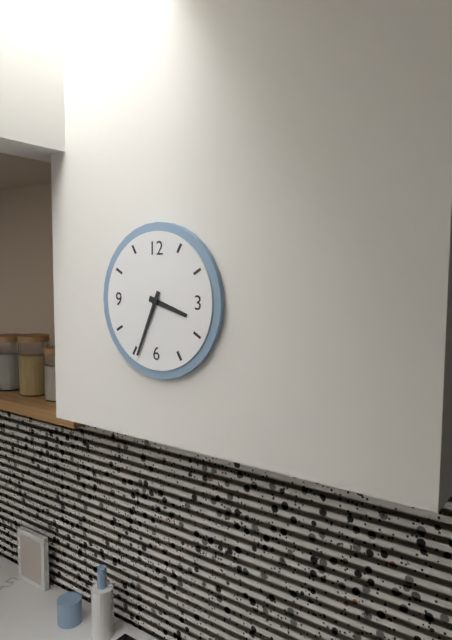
3:34
